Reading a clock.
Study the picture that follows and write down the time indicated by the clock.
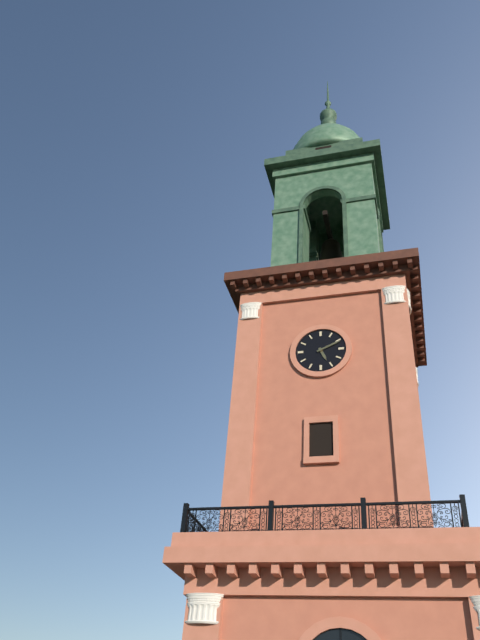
5:11
